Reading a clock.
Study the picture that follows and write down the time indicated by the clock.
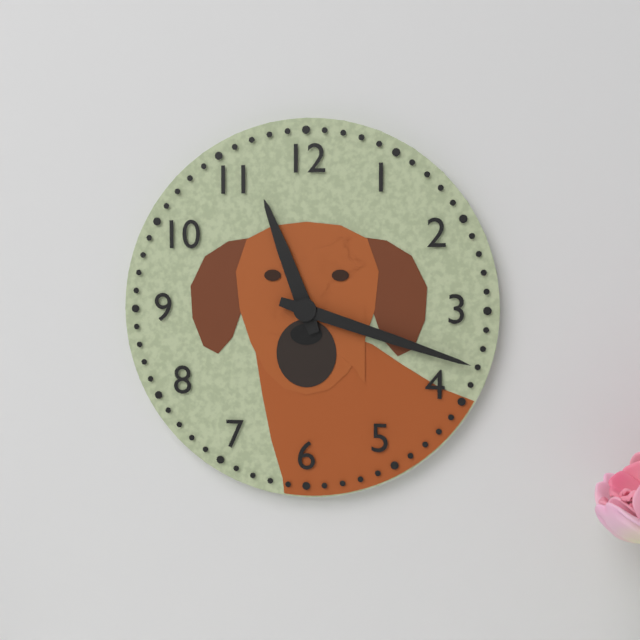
11:18
